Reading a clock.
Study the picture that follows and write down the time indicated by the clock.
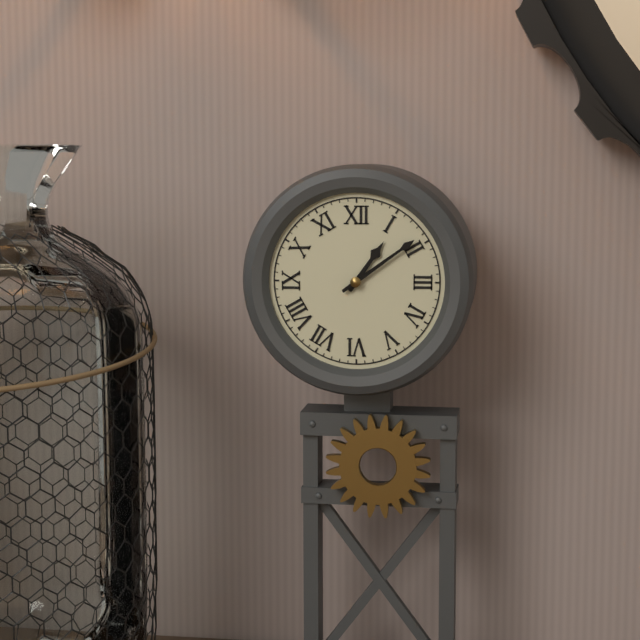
1:09
